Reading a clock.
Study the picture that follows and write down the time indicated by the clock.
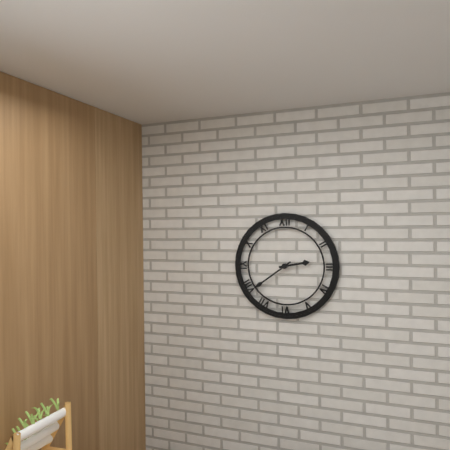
2:39
